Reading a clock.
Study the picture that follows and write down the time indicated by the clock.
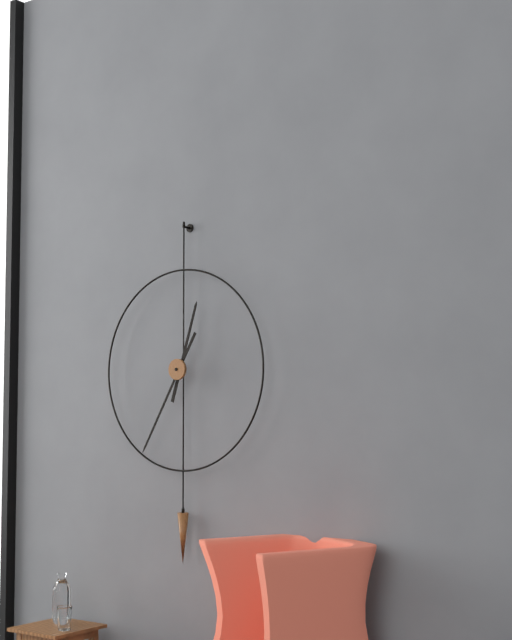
12:35
